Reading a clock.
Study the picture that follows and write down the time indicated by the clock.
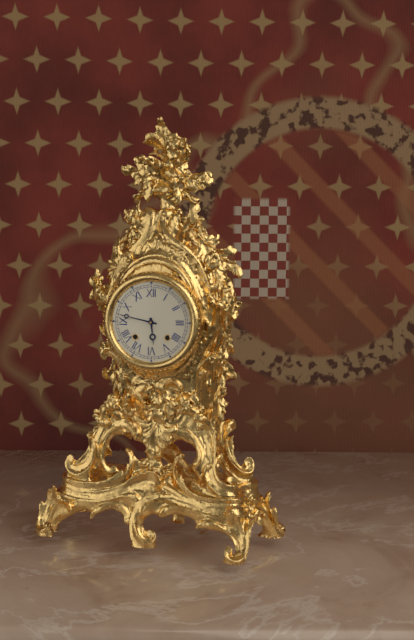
5:47
